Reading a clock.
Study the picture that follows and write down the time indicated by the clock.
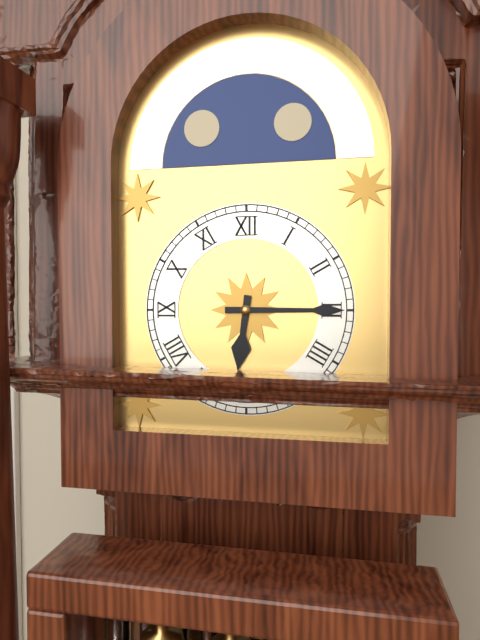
6:15
